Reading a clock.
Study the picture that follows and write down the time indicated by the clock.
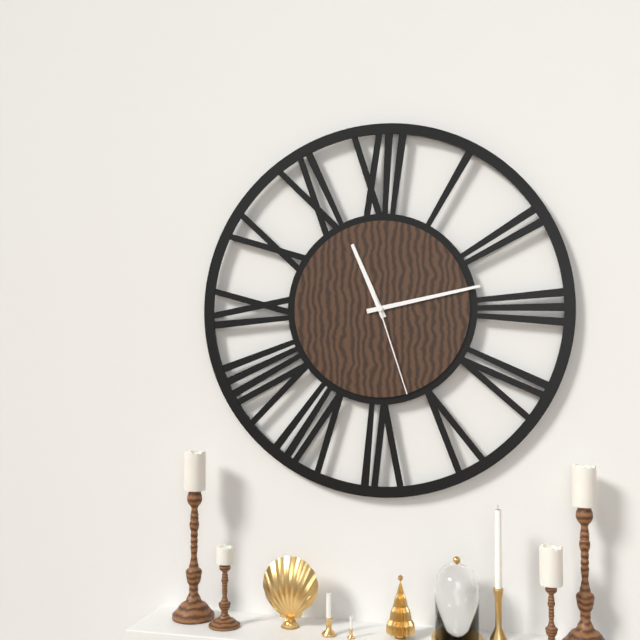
11:13:27
